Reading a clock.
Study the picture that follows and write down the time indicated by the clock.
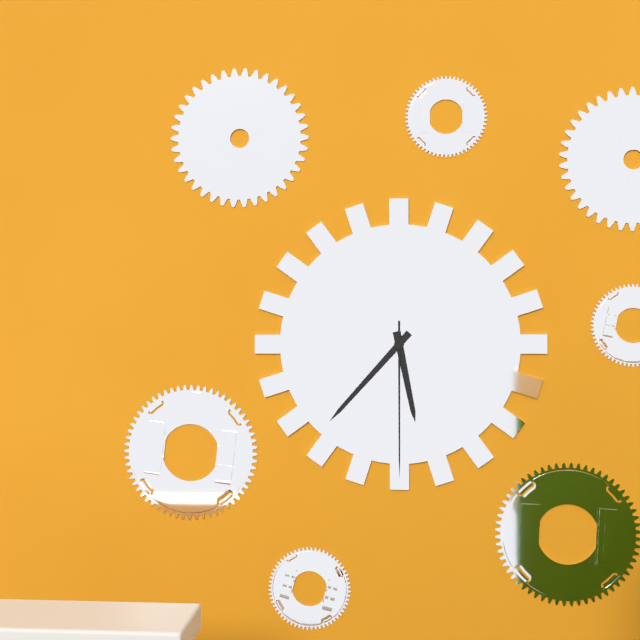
5:37:30
